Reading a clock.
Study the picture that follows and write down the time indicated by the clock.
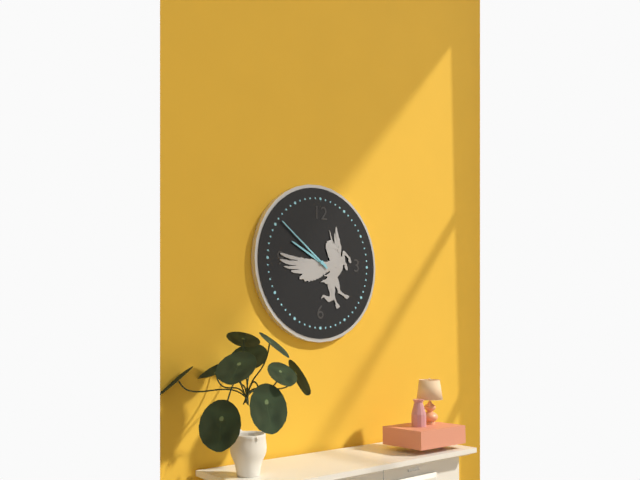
9:51
